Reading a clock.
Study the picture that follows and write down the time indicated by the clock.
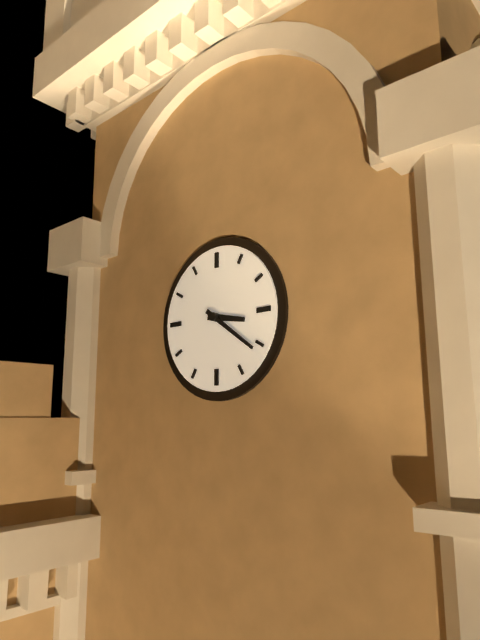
3:21
